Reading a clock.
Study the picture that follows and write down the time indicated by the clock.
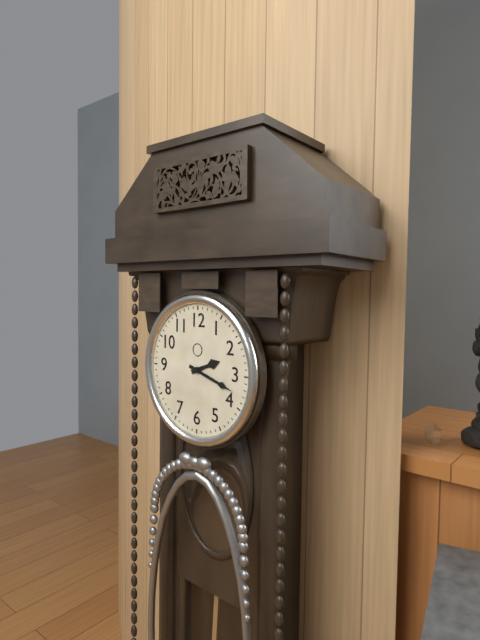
2:18
